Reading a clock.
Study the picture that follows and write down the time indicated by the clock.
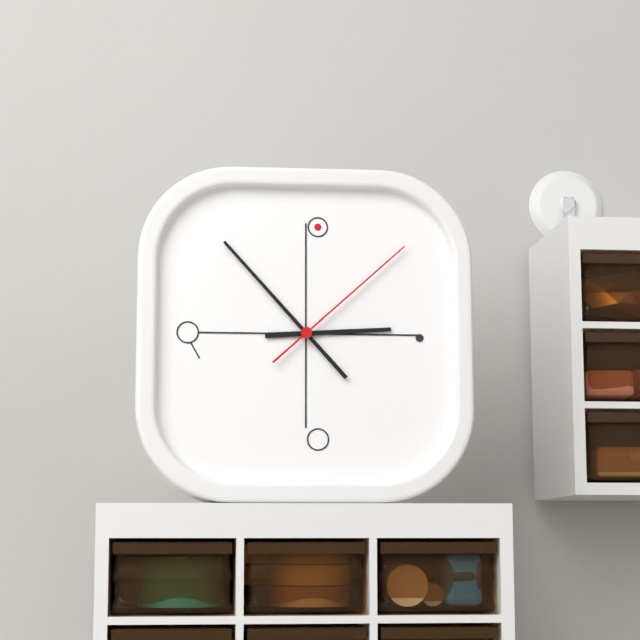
2:53:08
